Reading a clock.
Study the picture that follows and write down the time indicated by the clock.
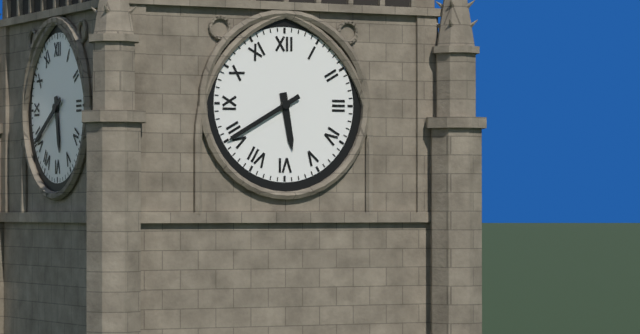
5:40
